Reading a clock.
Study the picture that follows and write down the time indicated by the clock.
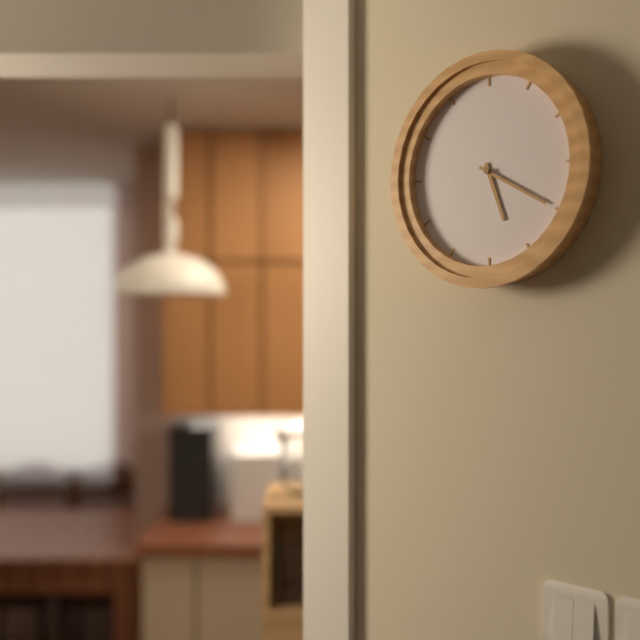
5:20
